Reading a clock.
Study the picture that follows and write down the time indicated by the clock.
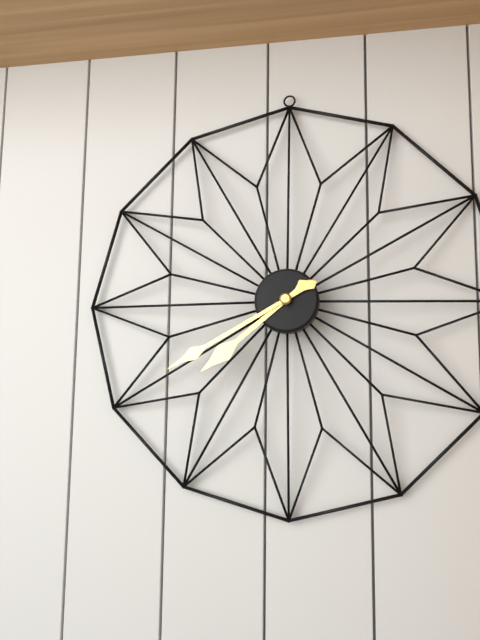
7:40
